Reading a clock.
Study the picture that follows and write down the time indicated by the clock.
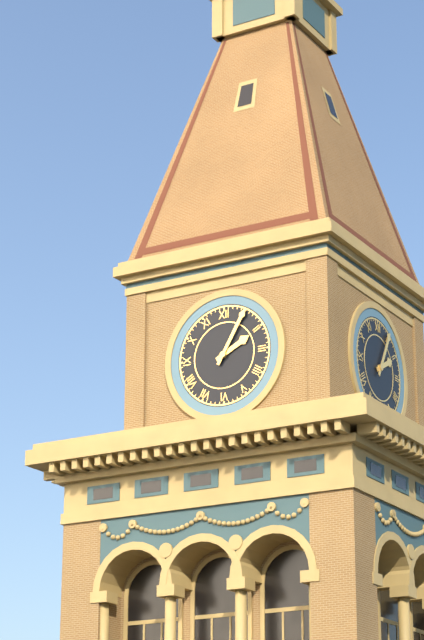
2:05
